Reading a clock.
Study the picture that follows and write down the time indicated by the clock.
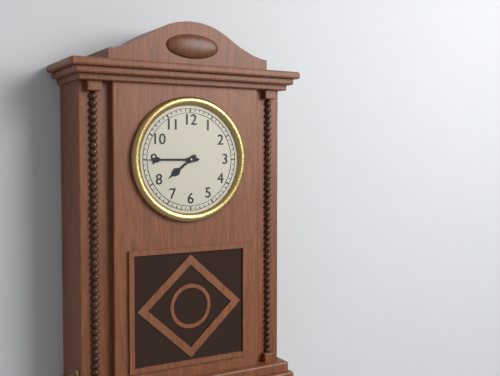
7:45
